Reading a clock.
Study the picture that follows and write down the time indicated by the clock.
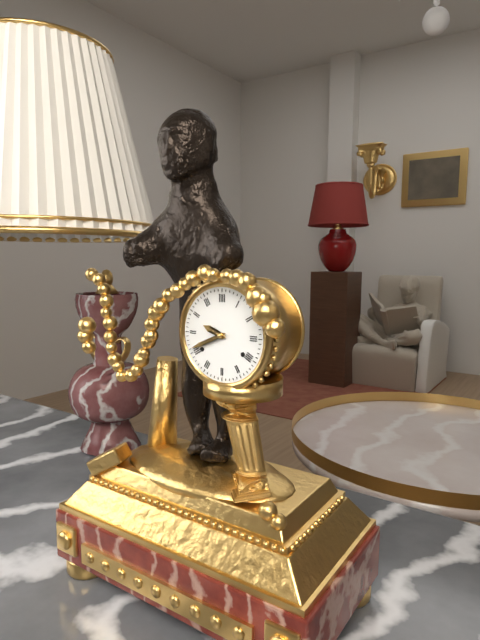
9:41
